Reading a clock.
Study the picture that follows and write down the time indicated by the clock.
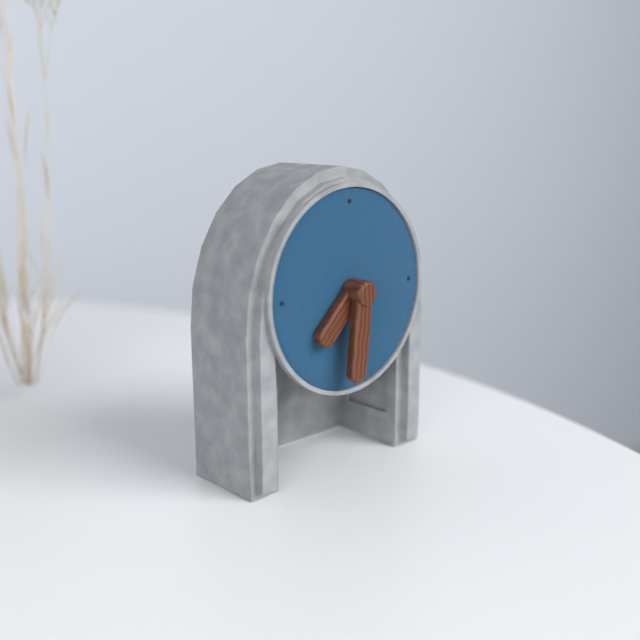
7:31
